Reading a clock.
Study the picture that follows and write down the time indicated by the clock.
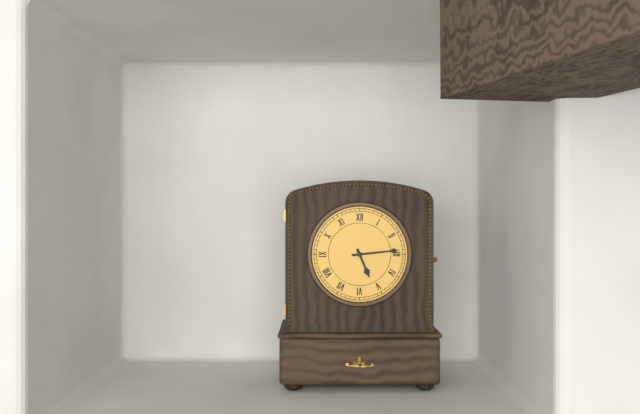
5:14
